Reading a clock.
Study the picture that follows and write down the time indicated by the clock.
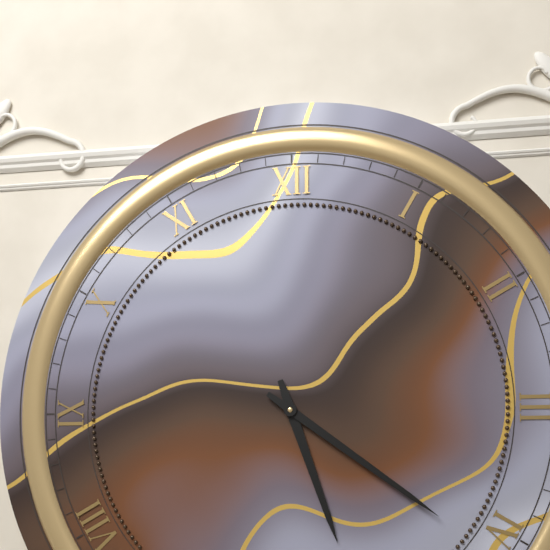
5:21
